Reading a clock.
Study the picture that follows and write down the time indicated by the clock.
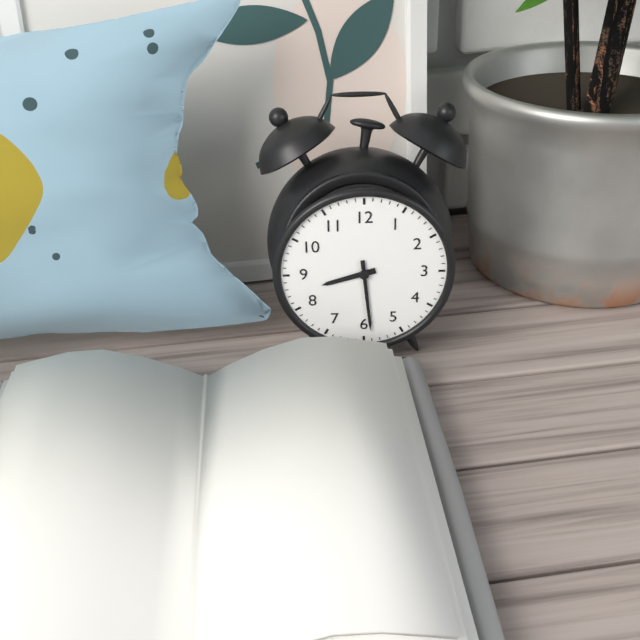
8:29
